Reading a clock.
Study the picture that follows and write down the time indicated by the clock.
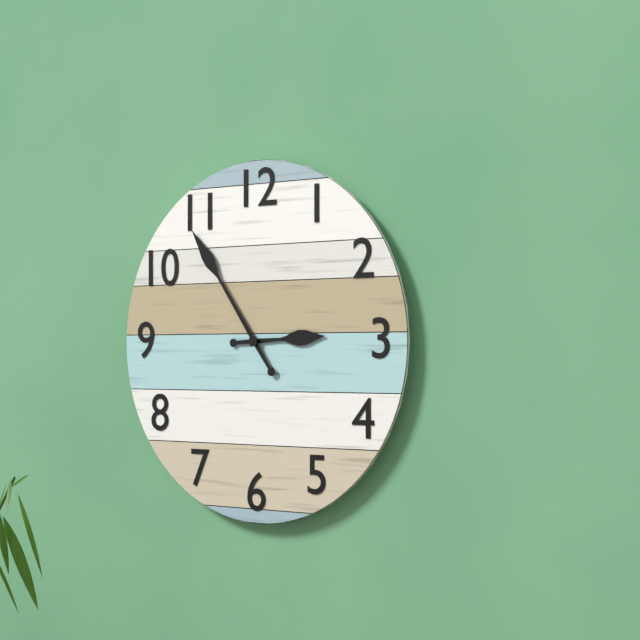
2:54
